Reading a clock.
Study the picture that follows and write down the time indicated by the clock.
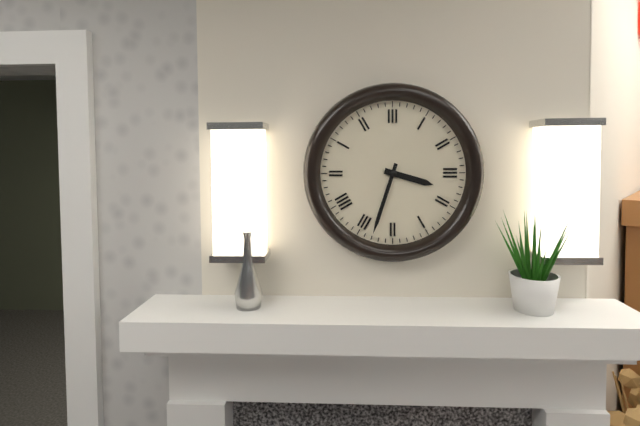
3:33
